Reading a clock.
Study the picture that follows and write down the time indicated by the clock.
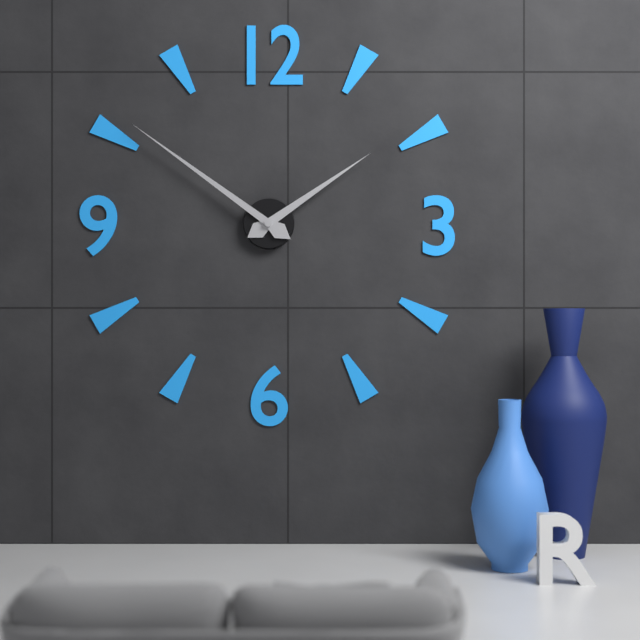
1:51
